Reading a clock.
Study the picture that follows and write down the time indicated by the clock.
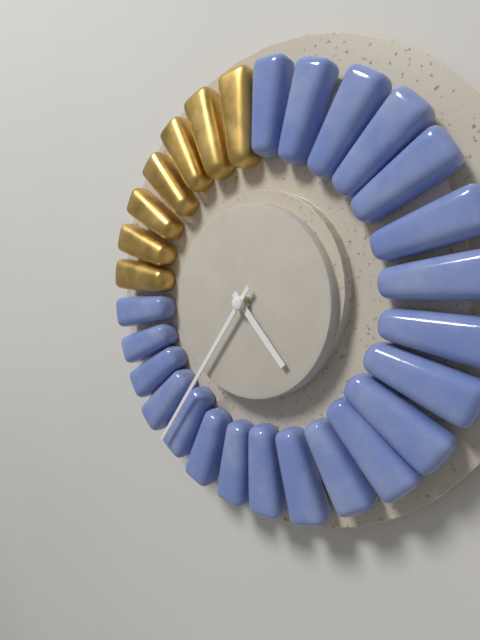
4:36
